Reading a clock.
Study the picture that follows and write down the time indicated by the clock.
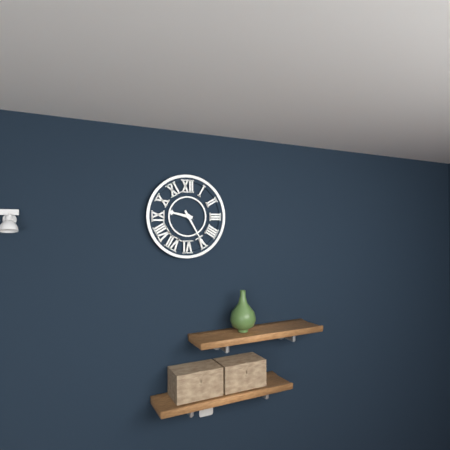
9:25
